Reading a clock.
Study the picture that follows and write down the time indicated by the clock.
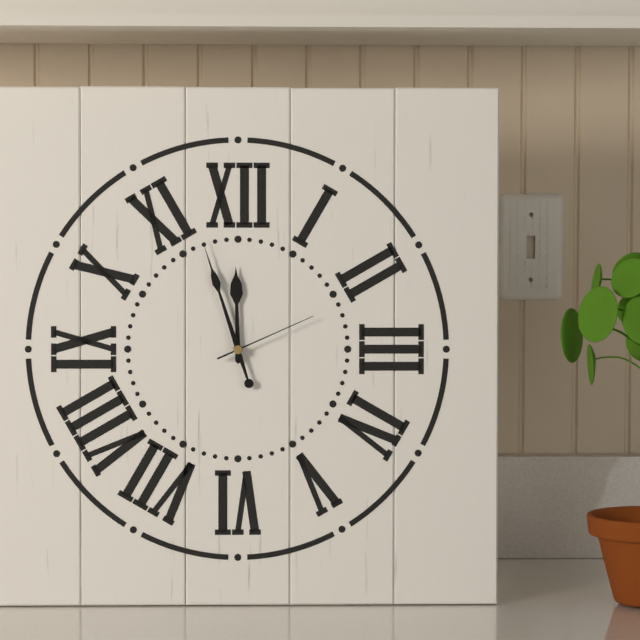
11:57:11
